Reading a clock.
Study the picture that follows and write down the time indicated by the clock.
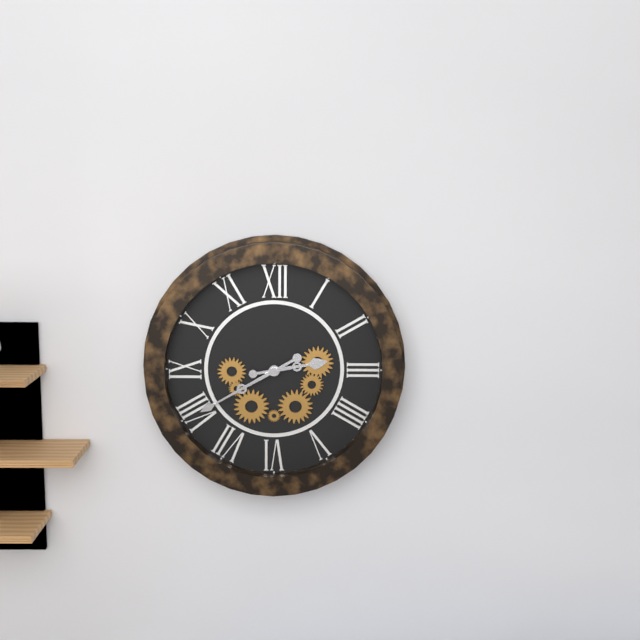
2:40
